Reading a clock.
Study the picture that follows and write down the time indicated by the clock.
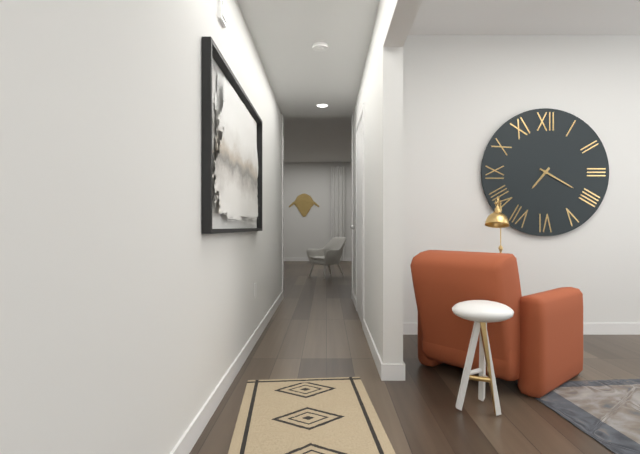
7:20
